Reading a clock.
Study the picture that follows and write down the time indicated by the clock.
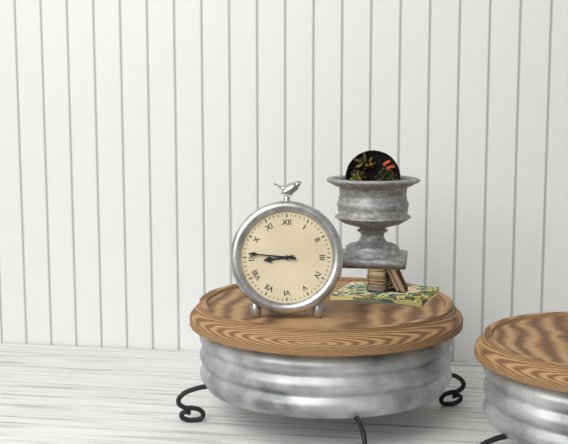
8:46
